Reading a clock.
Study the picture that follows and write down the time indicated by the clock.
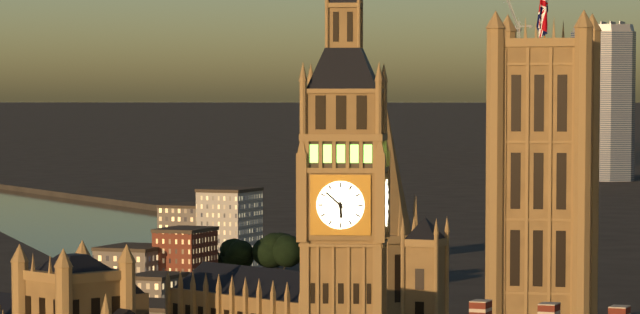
5:52
